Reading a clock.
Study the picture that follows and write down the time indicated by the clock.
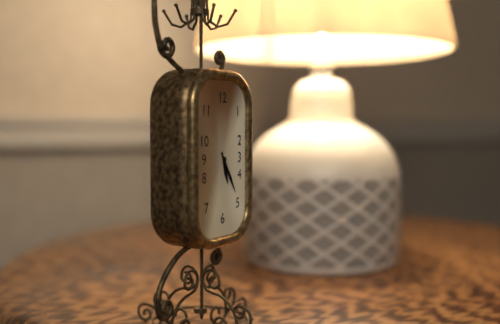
5:25
